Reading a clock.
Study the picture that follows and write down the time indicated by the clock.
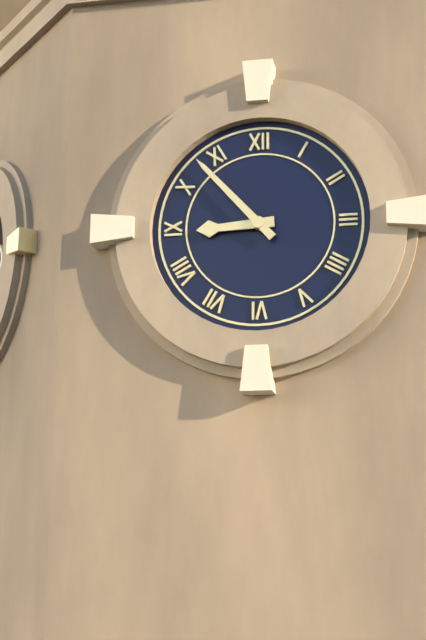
8:53
